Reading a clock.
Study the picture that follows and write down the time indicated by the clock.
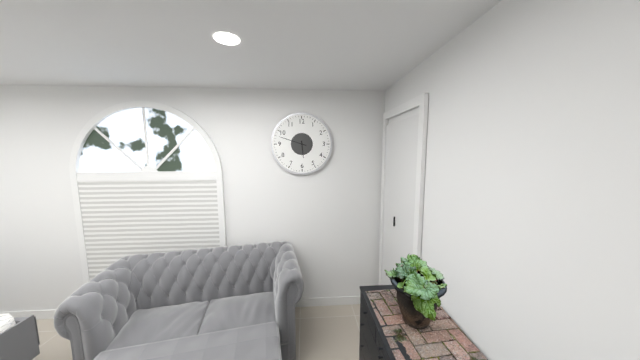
5:48
